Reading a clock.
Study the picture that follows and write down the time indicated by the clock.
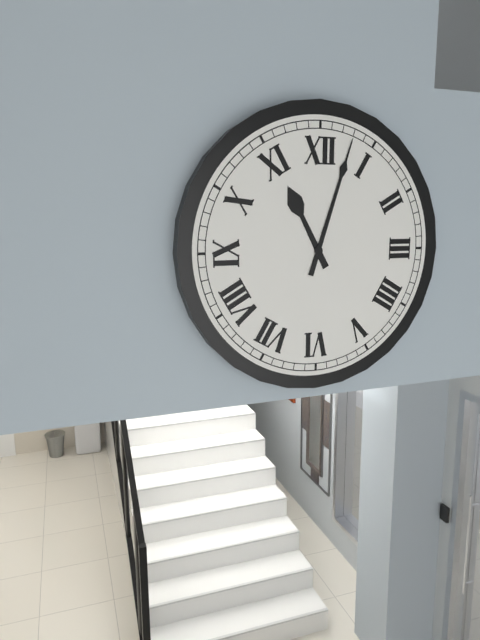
11:03
